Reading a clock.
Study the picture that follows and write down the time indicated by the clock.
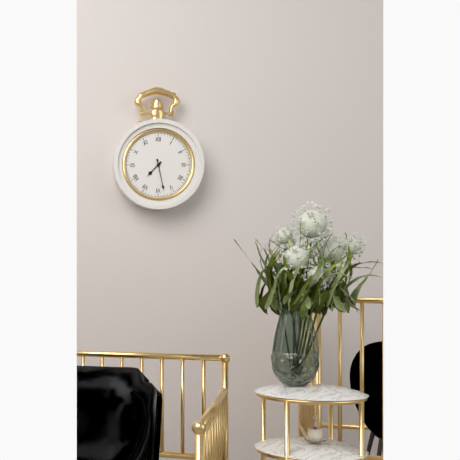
7:28
